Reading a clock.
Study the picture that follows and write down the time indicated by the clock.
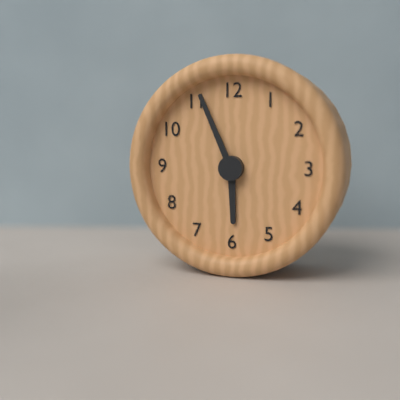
5:56
